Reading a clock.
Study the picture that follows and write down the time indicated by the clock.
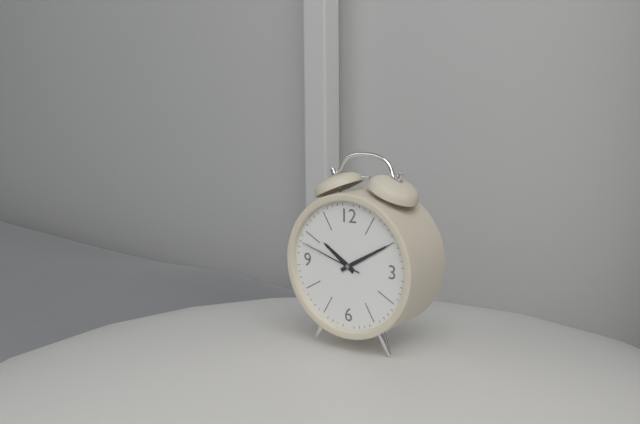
10:10:48
